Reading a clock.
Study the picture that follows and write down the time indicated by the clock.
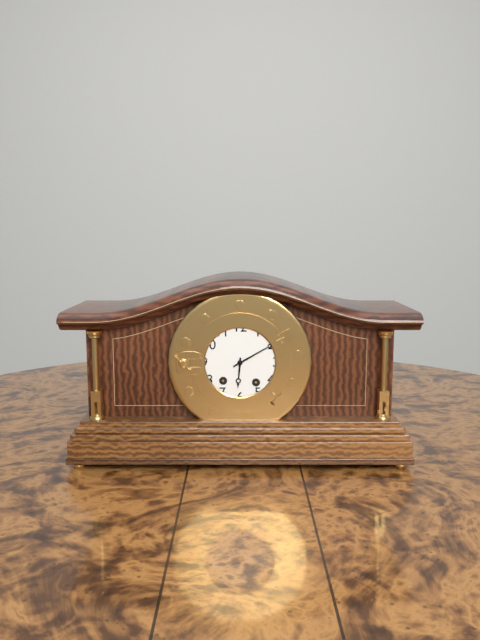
6:10
